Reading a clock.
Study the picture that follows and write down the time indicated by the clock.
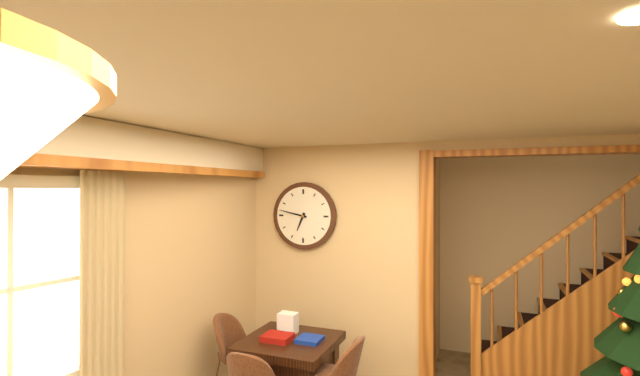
6:47
